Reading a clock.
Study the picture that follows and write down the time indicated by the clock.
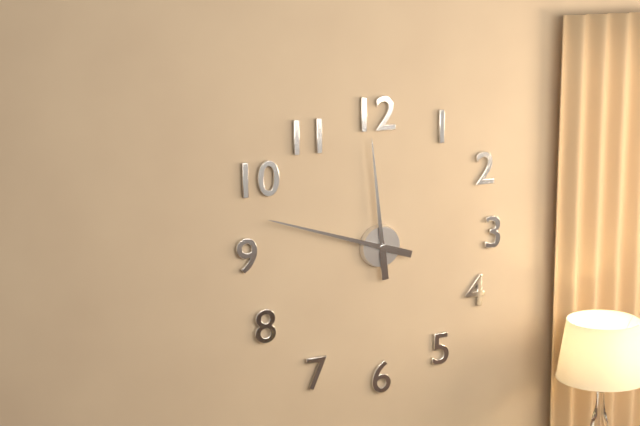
11:48
